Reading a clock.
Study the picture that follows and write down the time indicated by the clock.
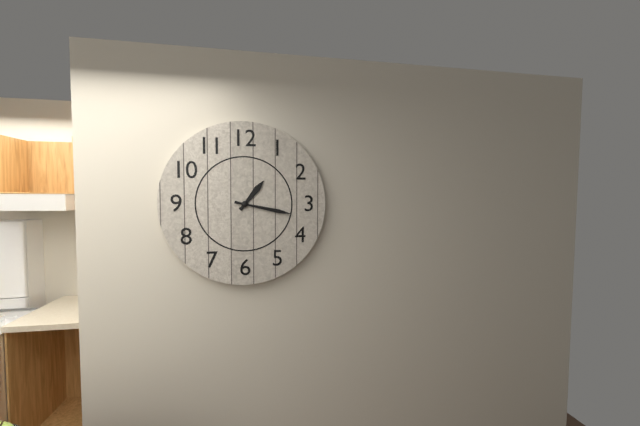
1:17
